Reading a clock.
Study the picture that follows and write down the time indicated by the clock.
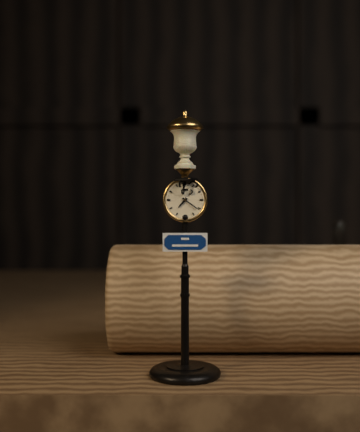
7:21
